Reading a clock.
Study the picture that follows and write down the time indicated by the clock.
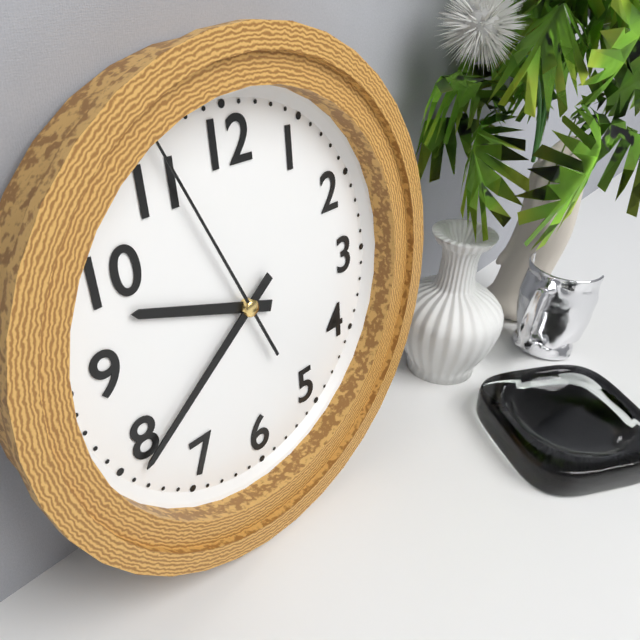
9:39:56
